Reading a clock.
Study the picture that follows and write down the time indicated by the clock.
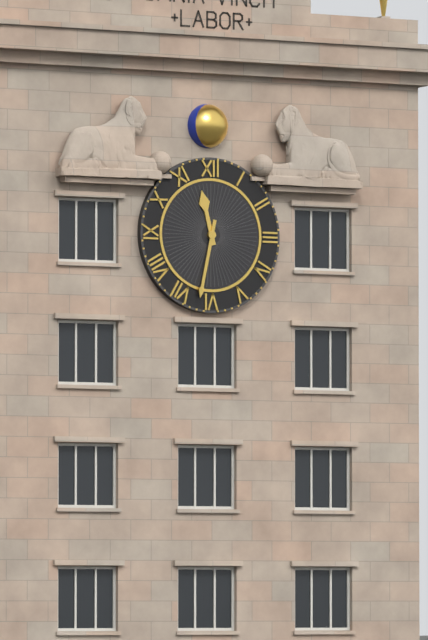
11:32
